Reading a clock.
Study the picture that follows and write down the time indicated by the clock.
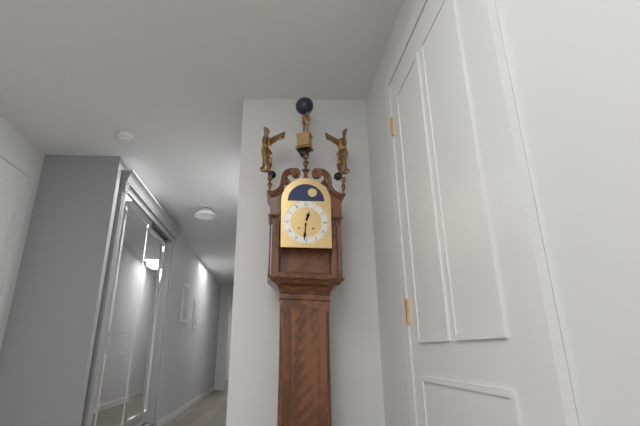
12:31
